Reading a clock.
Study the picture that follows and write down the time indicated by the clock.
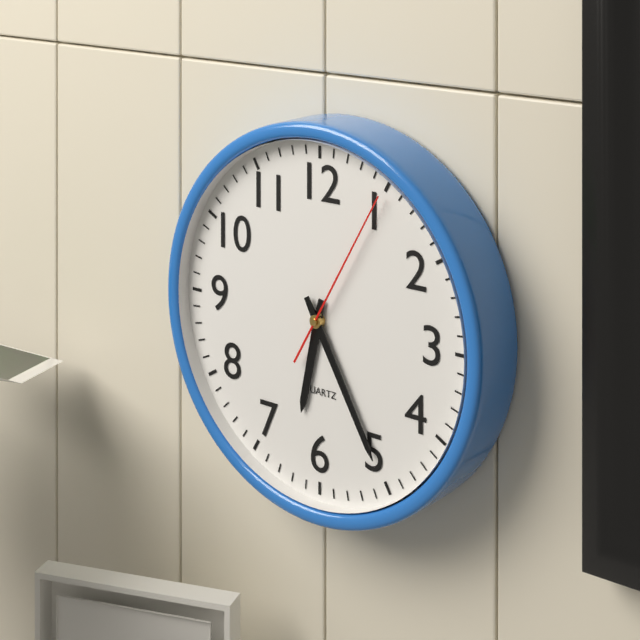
6:25:05
